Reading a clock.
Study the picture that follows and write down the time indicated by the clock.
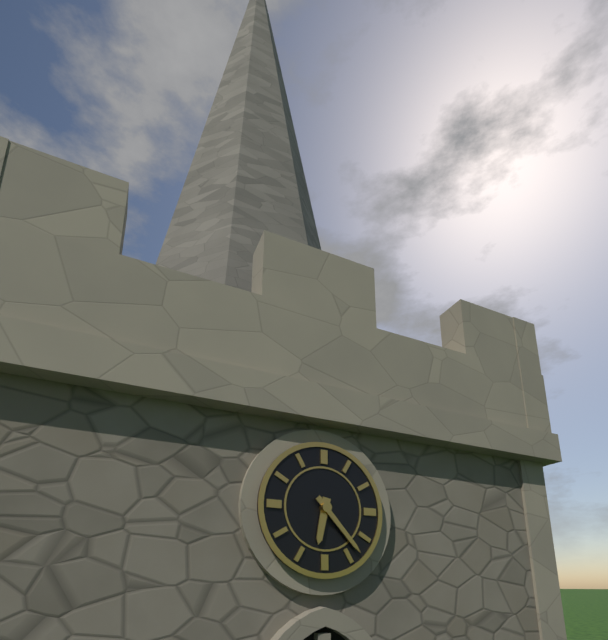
6:23
